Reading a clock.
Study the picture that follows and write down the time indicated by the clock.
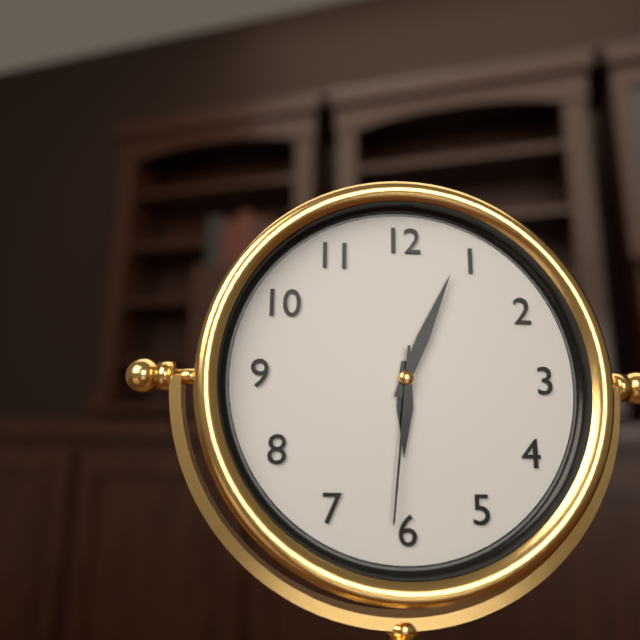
6:04:31
